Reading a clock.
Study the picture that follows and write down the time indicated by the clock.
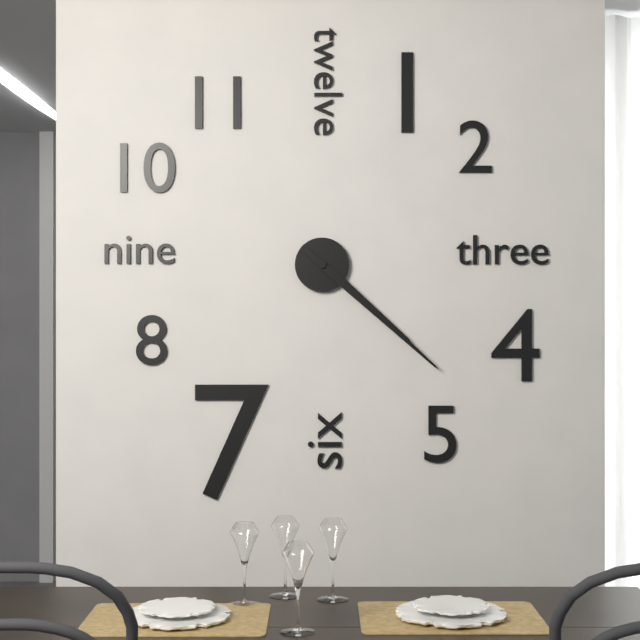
4:22
